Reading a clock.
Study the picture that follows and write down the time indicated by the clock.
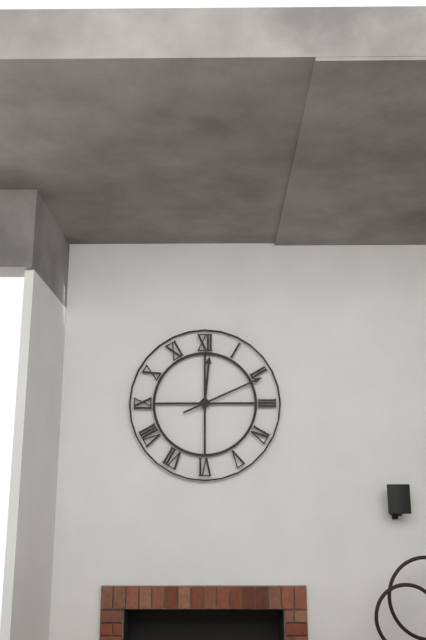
12:11
